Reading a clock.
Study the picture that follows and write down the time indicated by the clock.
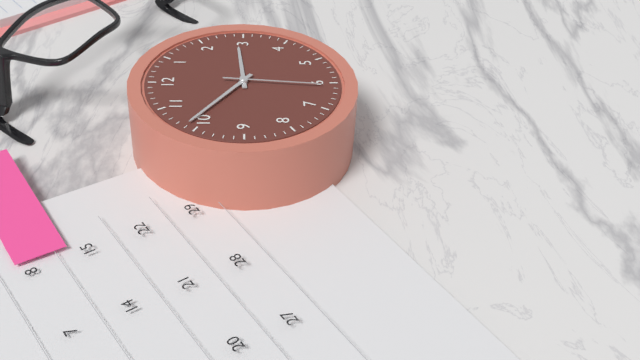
2:51:31
